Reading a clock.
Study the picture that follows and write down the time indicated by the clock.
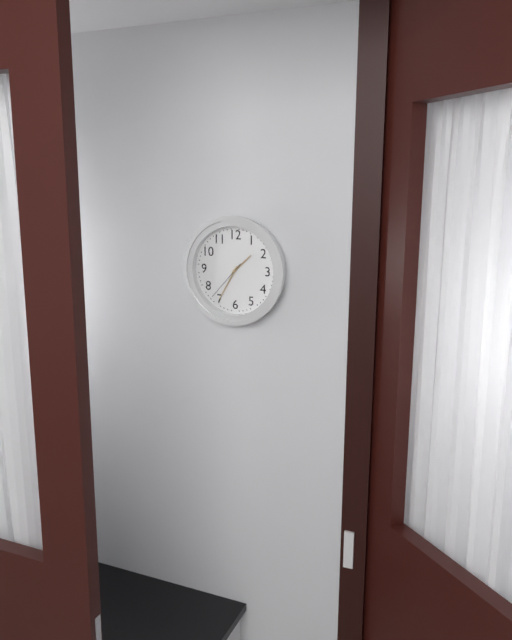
1:35
